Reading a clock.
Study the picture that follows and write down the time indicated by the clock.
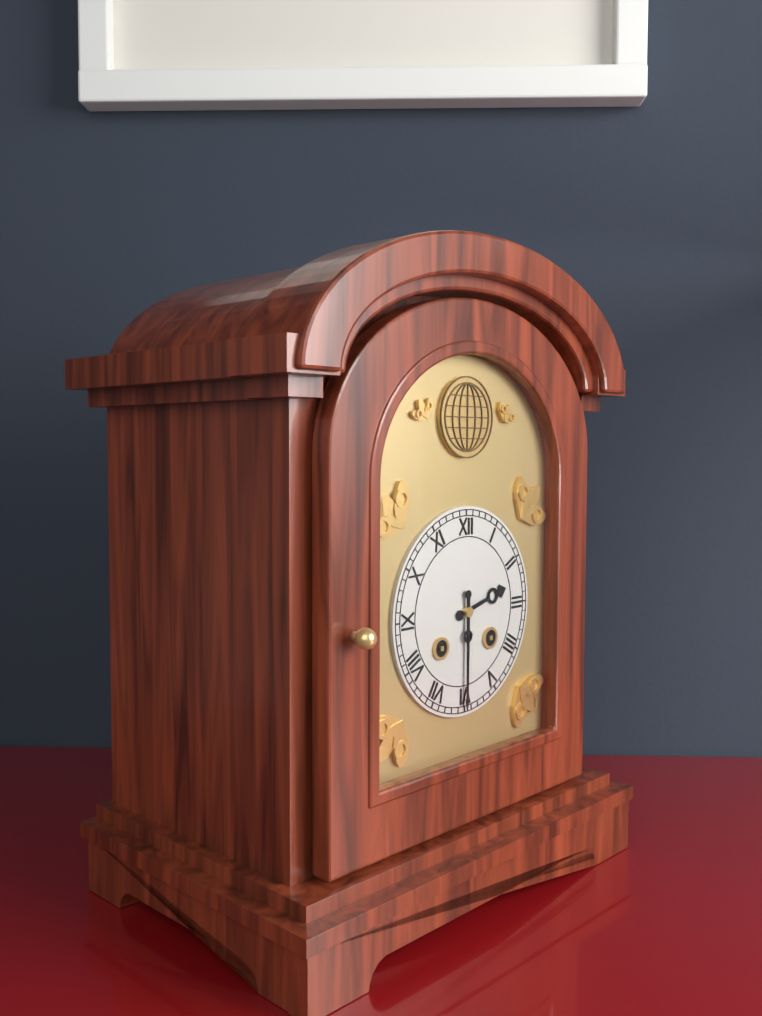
2:30
